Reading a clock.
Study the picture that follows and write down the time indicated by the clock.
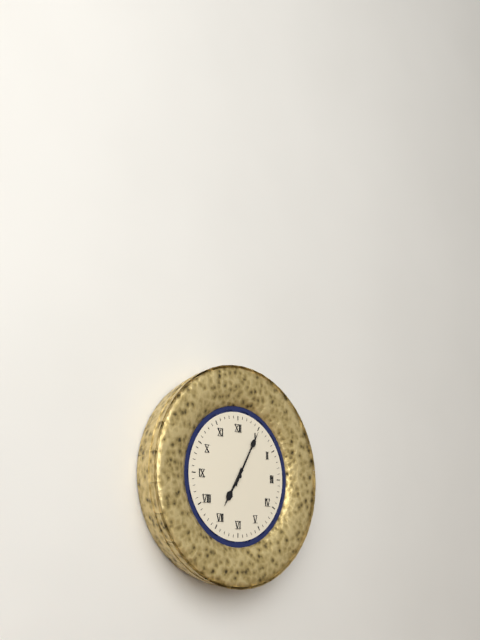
7:05
